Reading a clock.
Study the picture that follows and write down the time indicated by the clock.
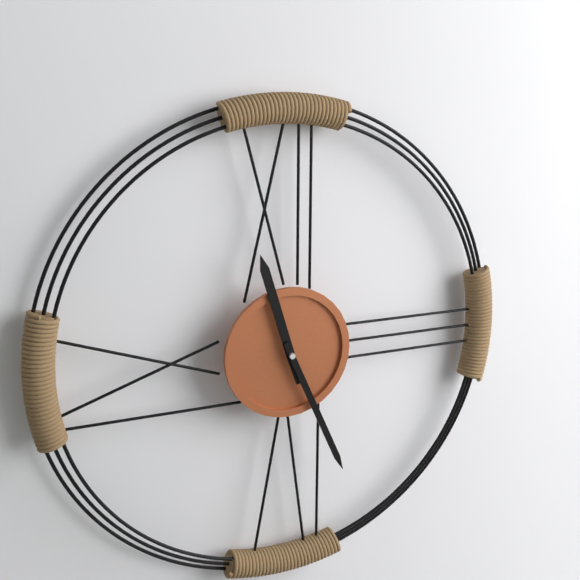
11:26
